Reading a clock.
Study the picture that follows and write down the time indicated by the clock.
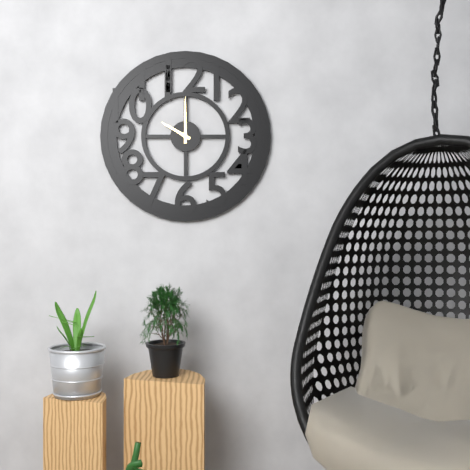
10:00
